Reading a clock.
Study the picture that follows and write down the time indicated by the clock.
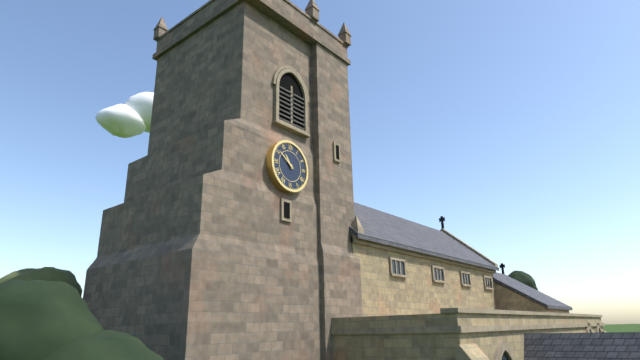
10:51
